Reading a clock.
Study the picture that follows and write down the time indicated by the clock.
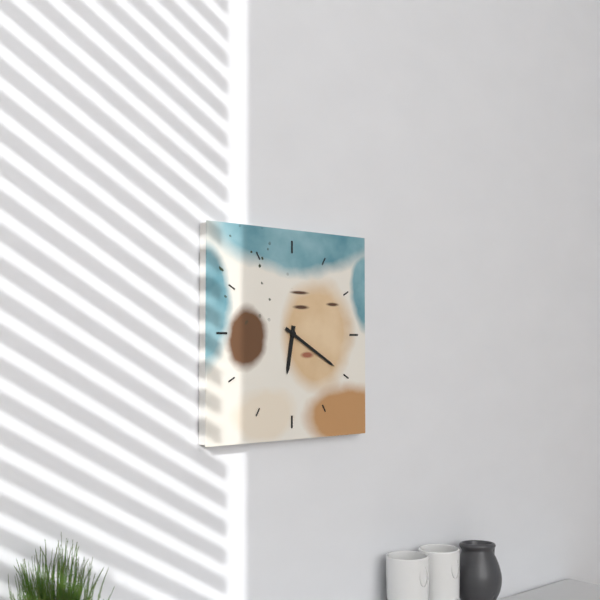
6:20
